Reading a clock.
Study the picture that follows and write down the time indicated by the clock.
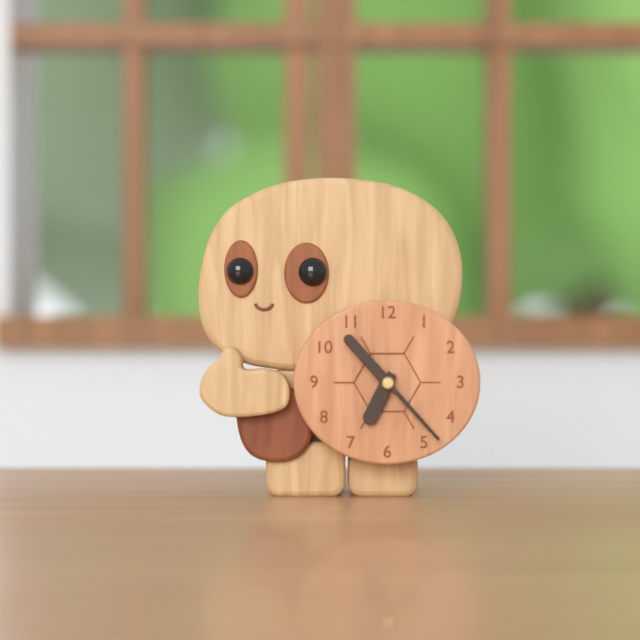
6:53
